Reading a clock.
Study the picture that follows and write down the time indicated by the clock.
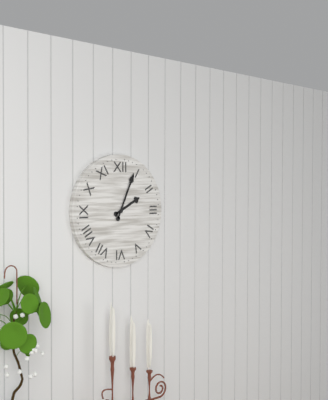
2:04
